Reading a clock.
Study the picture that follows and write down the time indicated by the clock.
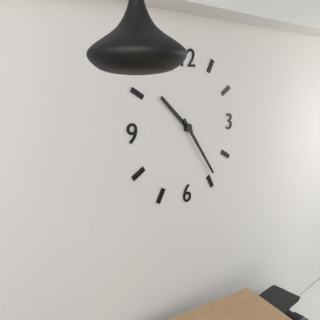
10:24
